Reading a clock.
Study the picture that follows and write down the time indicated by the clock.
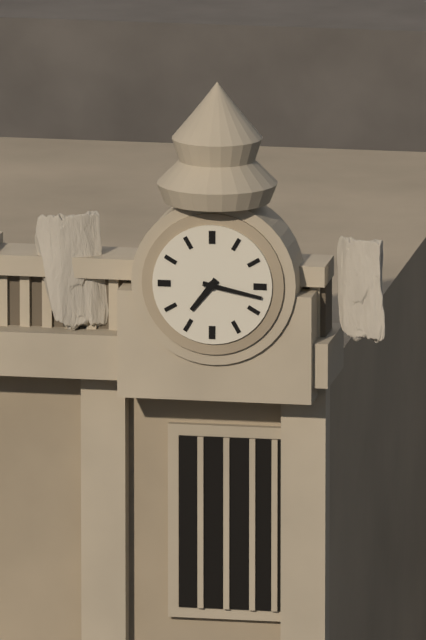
7:17
